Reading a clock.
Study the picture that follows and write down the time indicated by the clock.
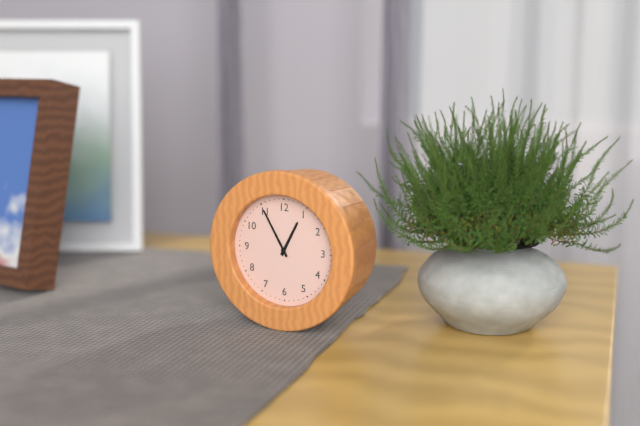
12:55
